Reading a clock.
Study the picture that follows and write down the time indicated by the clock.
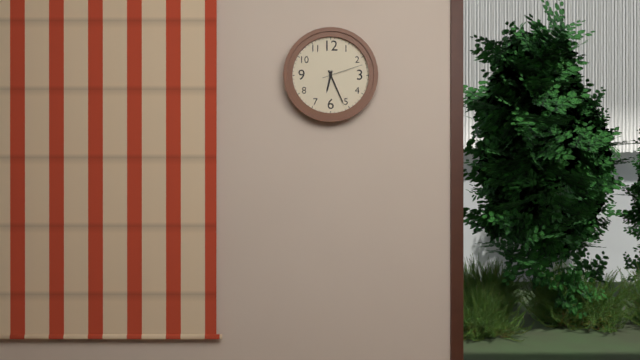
6:26
